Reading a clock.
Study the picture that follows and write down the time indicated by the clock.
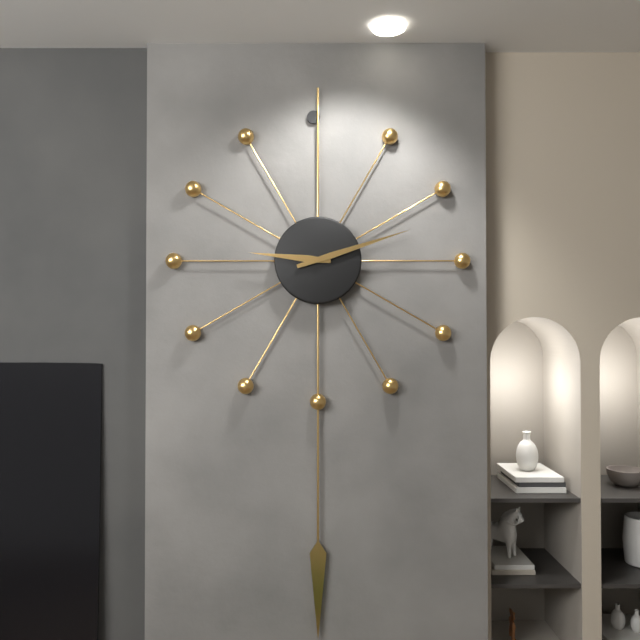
9:12
